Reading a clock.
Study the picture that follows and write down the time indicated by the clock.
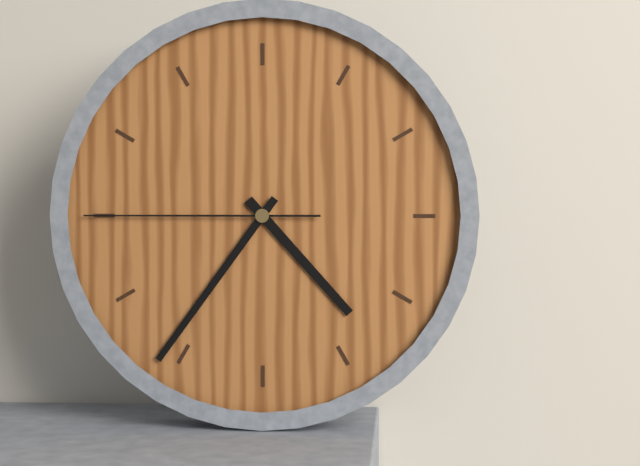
4:36:45
